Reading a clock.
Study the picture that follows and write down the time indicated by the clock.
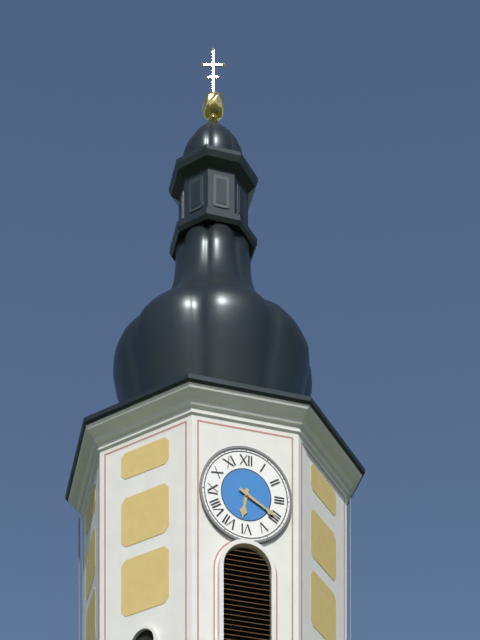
6:20
